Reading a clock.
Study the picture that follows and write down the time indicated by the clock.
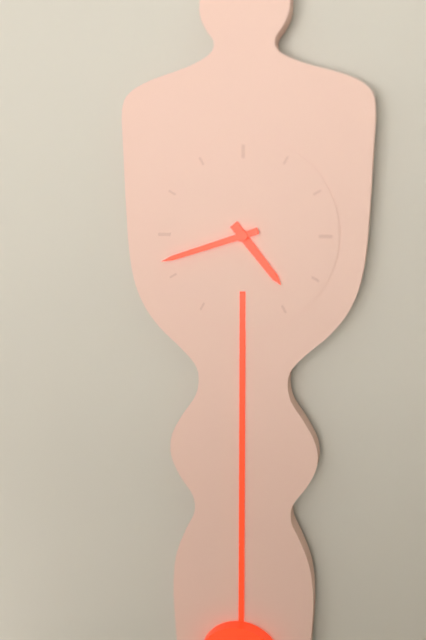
4:42
